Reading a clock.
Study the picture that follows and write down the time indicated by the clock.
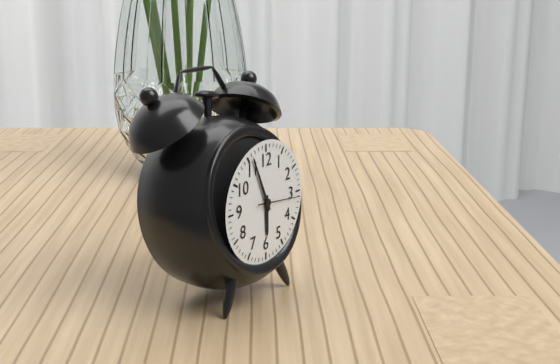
5:56
